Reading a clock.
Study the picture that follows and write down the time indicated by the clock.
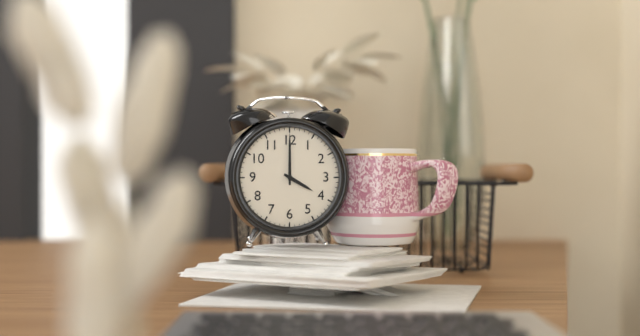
4:00
